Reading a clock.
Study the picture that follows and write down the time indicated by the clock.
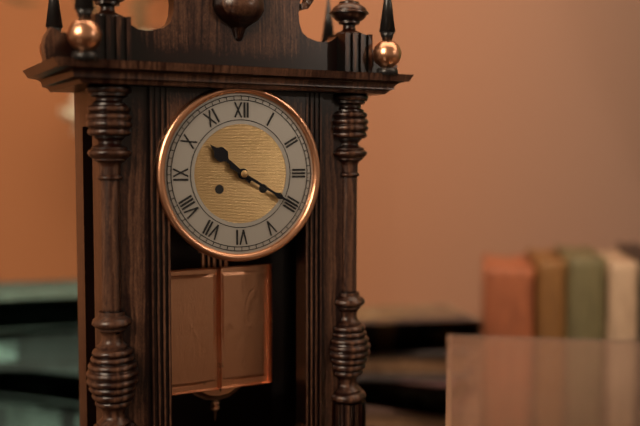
10:20
